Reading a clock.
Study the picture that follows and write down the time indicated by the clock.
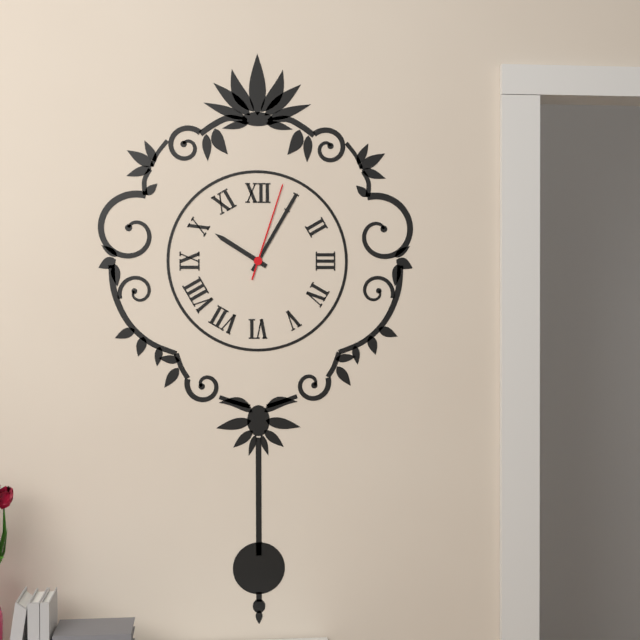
10:05:03
